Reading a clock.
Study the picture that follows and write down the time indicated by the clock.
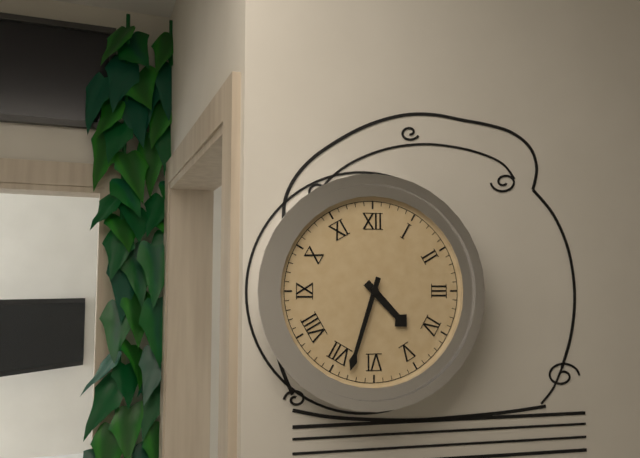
4:33
